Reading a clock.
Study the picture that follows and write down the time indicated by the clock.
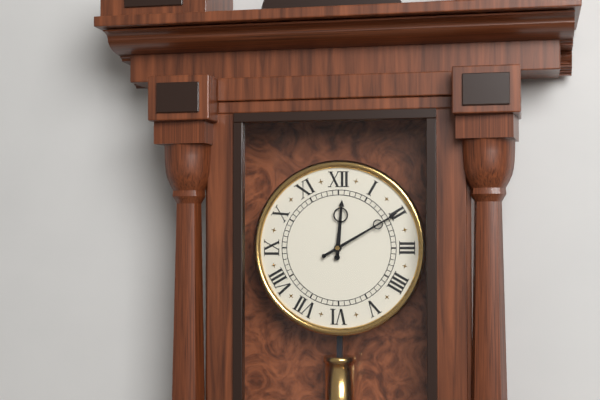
12:10
